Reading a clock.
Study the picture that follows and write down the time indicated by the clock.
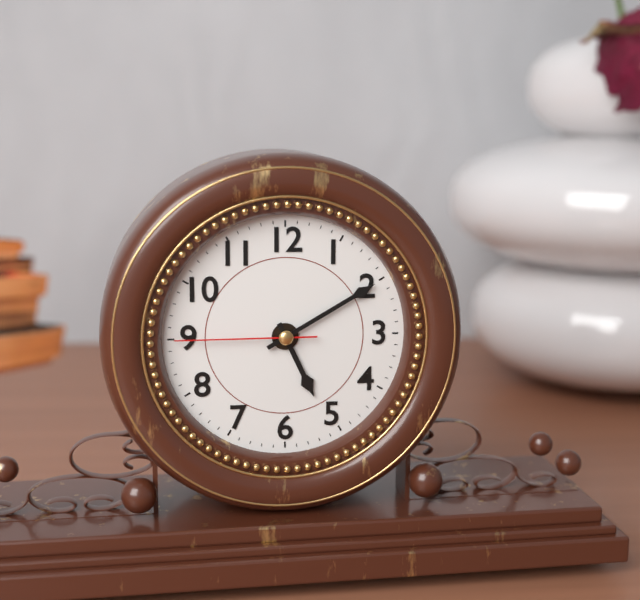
5:10:45
